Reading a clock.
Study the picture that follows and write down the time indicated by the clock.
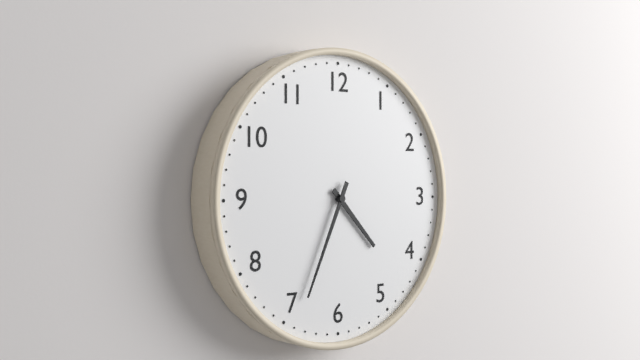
4:34
